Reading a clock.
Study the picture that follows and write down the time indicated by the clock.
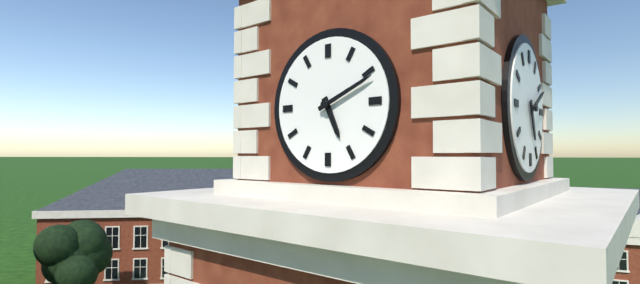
5:11
